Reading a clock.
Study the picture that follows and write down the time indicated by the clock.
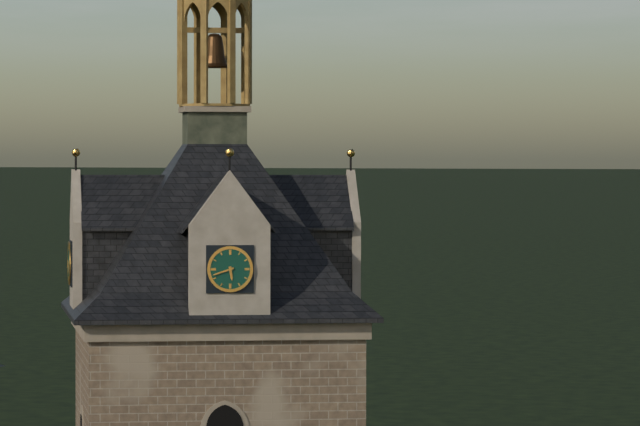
5:42
